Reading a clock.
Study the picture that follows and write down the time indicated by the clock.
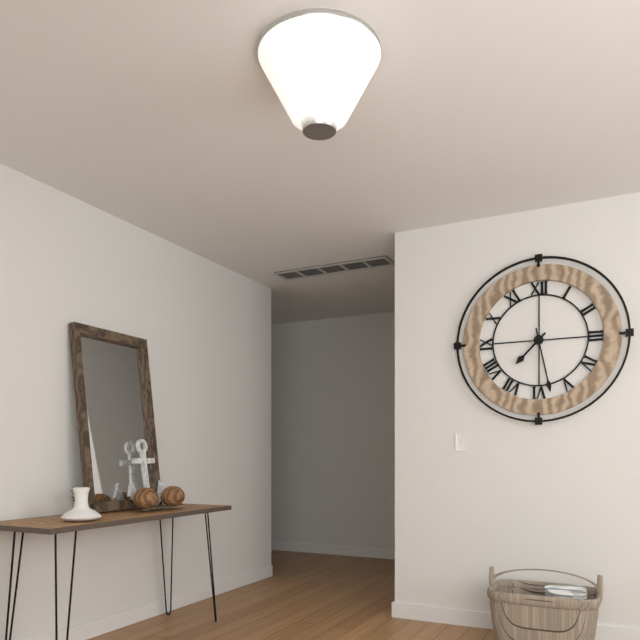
7:28
